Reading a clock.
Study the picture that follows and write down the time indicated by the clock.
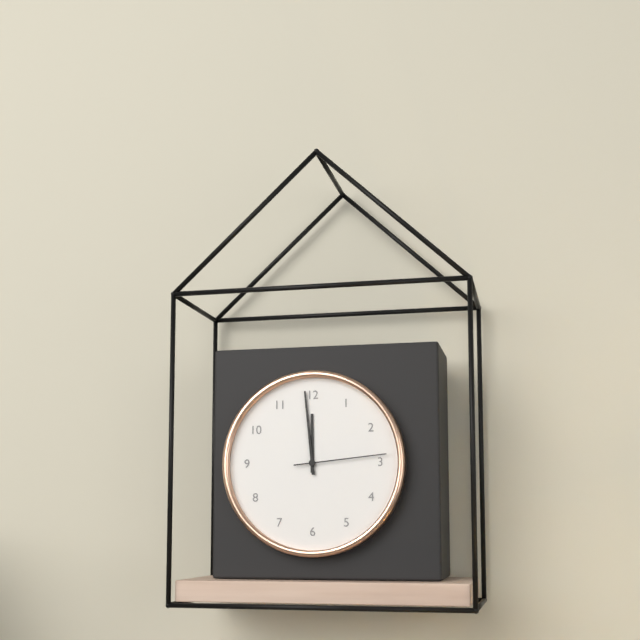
11:59:14
